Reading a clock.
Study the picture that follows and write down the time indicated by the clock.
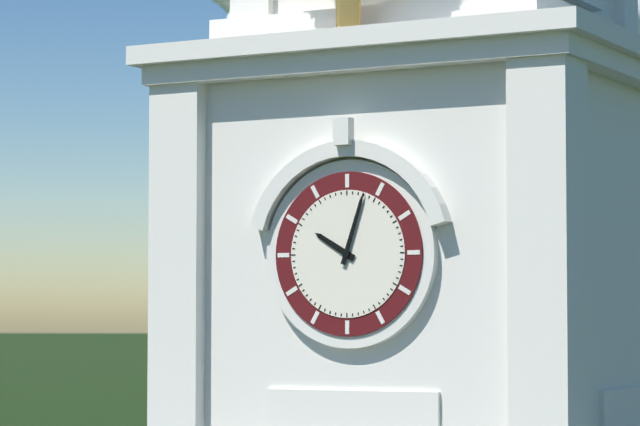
10:03
